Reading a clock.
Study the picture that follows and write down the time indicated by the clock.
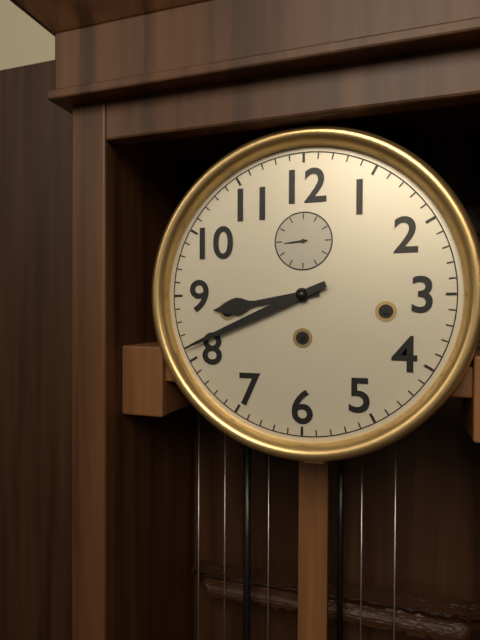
8:41
